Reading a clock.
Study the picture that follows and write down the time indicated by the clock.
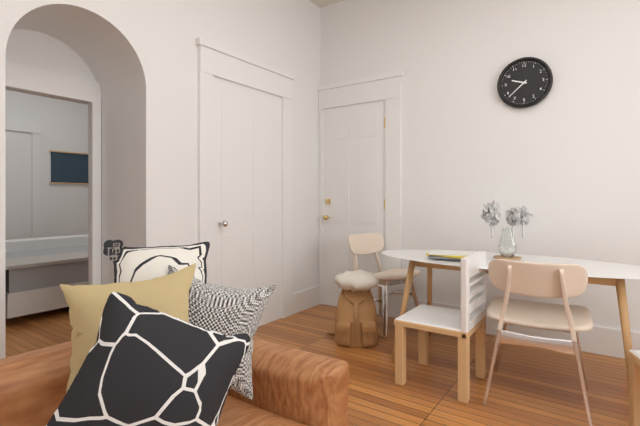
9:38
